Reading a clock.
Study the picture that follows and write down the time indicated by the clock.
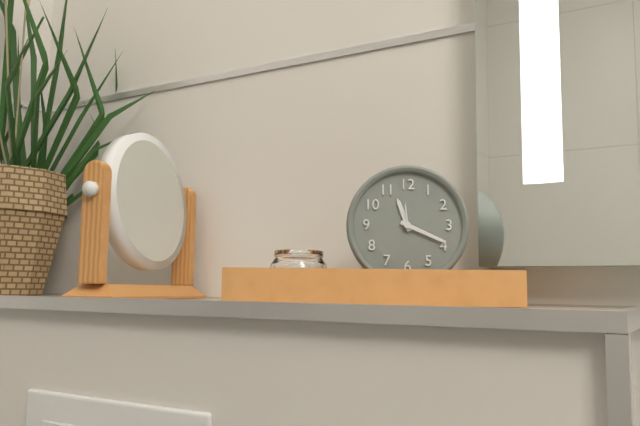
11:19
